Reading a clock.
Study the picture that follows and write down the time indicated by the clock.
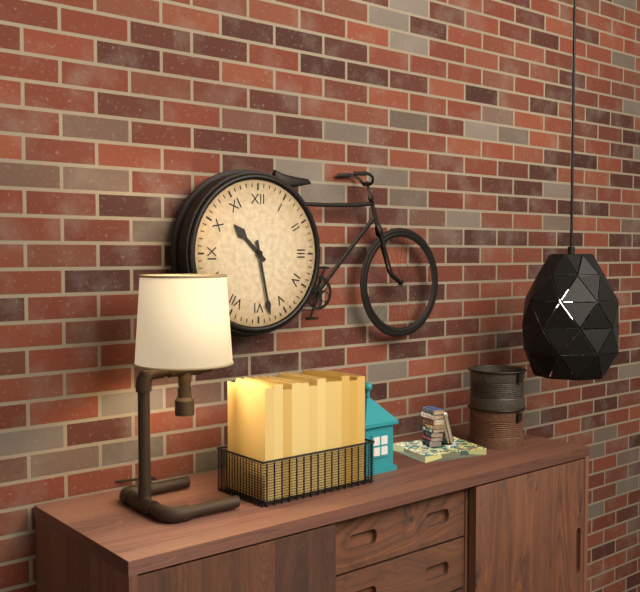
10:28
